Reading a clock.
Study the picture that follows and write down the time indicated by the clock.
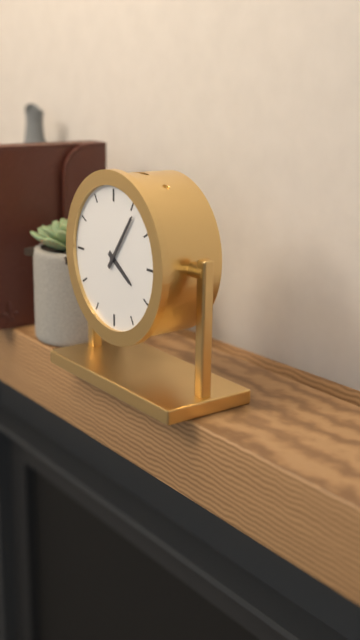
4:06
